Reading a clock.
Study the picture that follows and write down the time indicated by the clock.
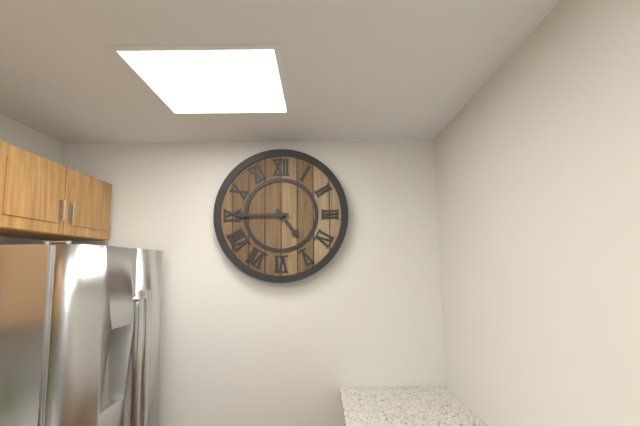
4:45
